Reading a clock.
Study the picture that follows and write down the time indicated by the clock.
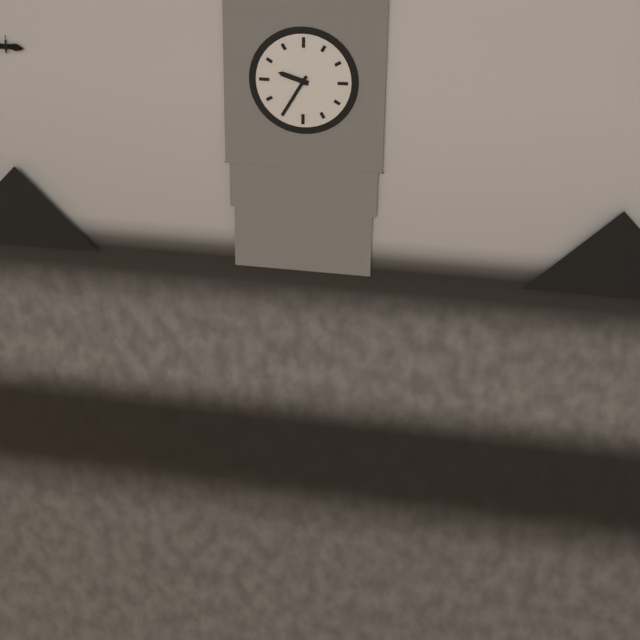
9:35
